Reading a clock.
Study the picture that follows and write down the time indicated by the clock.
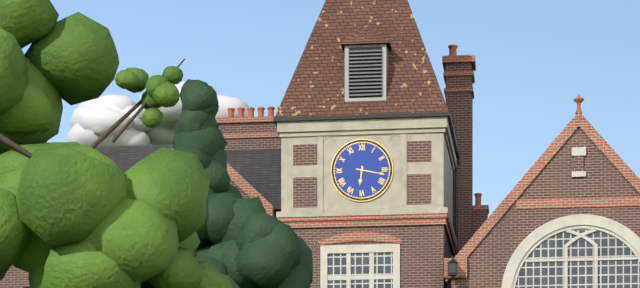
6:17
